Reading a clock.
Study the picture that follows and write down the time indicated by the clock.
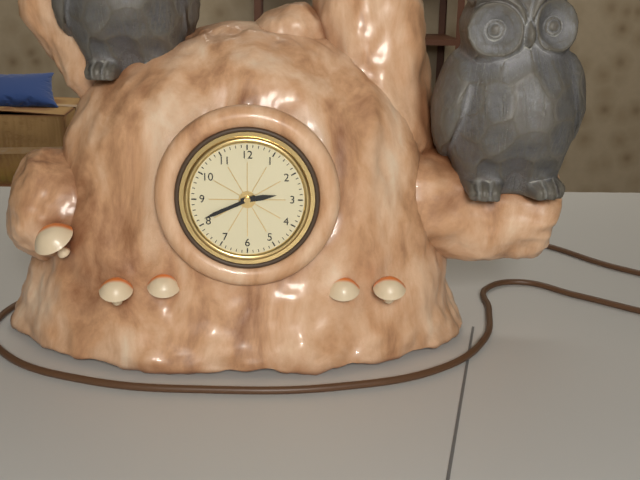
2:41
